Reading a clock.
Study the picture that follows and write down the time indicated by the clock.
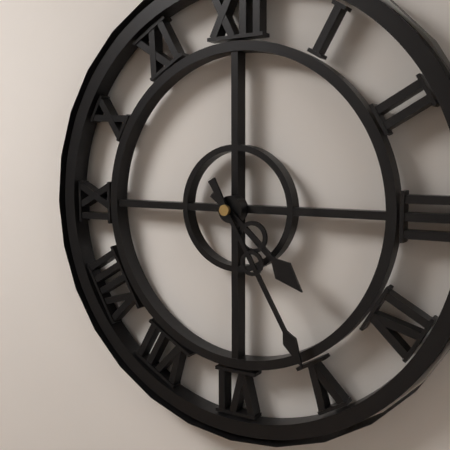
4:25
